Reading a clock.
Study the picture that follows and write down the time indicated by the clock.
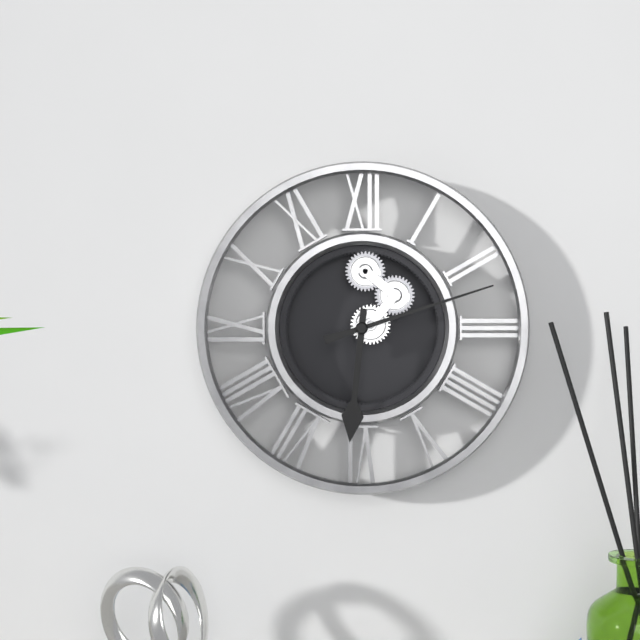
6:12
